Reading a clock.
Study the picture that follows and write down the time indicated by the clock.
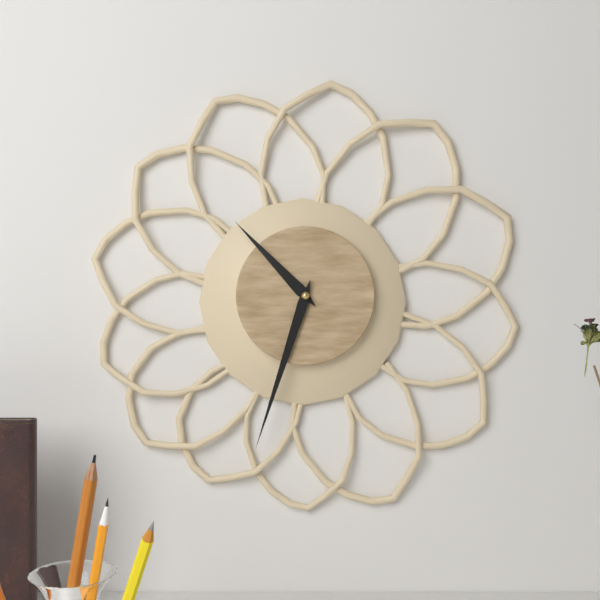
10:33
